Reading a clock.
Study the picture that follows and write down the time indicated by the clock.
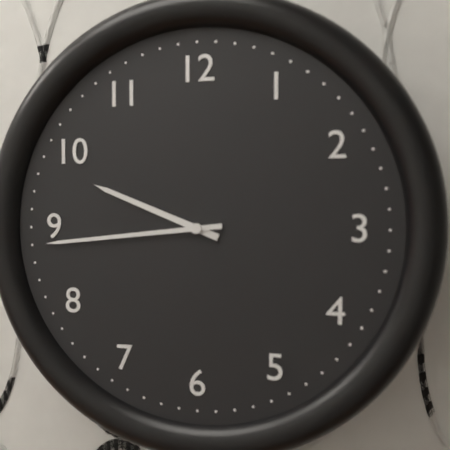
9:44
